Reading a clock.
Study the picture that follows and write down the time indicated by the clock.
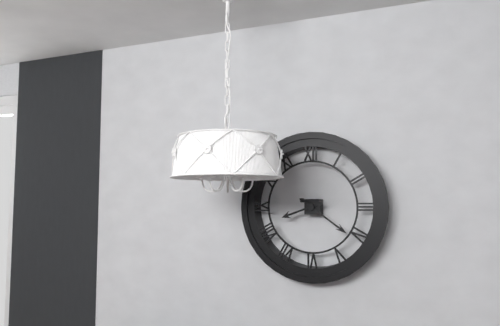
8:21
